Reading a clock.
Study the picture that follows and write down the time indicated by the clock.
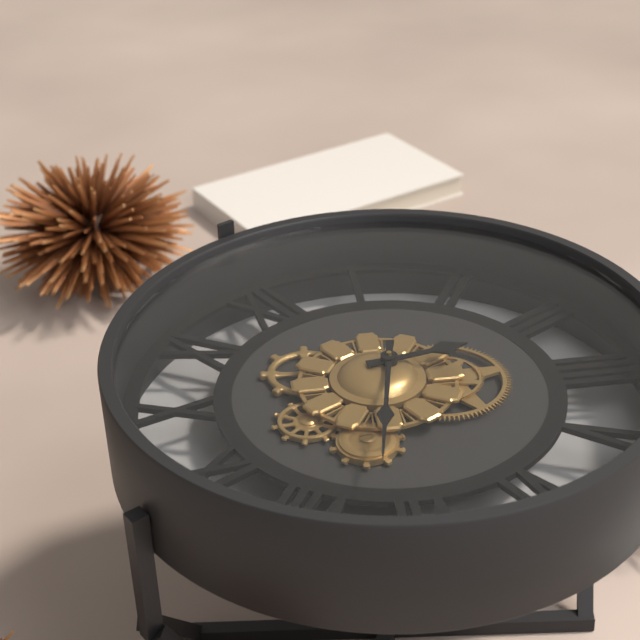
3:37
